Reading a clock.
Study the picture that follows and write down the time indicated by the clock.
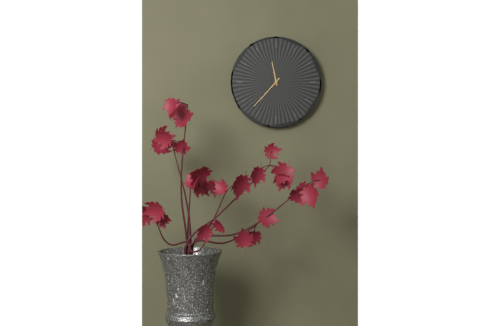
11:37
